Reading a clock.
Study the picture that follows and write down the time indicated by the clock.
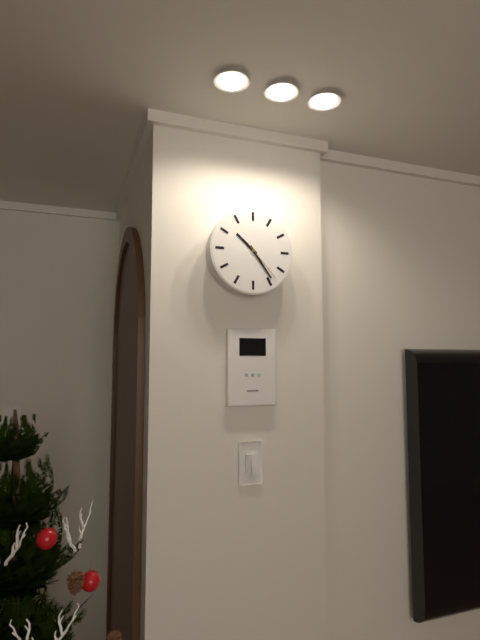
10:24
